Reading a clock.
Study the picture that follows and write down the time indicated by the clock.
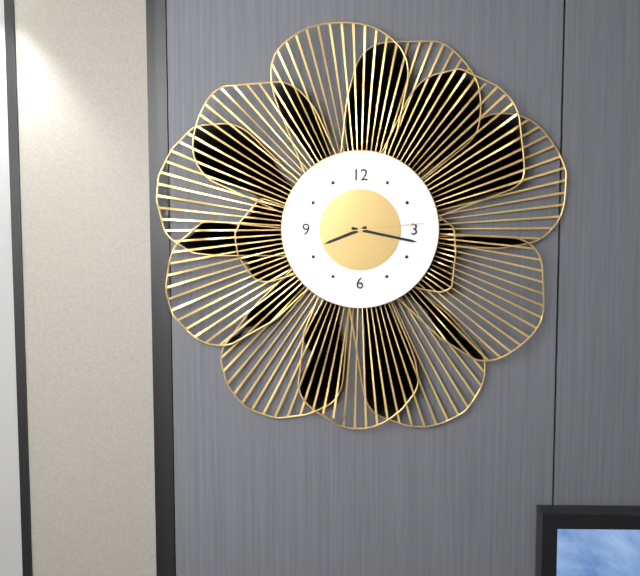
8:17:14
